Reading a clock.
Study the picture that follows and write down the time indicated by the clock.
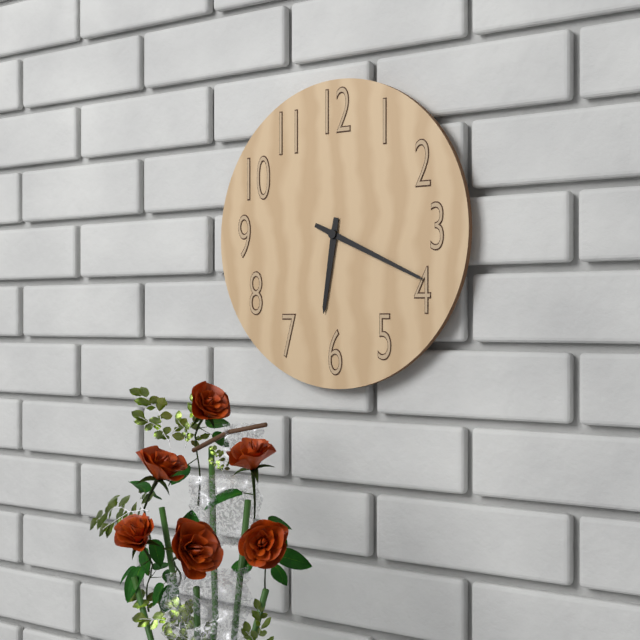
6:19
